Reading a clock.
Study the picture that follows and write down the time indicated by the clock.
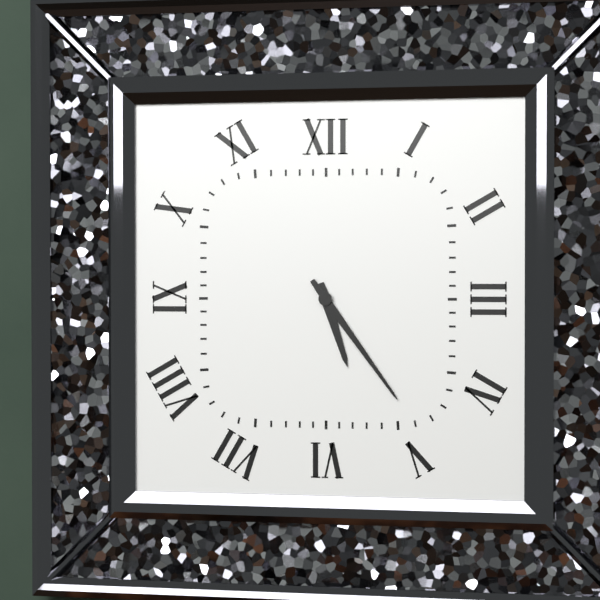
5:24
